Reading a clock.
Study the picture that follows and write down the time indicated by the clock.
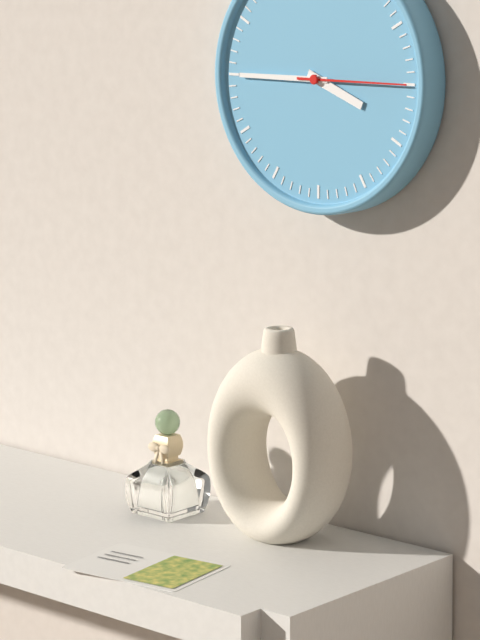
3:45:15
